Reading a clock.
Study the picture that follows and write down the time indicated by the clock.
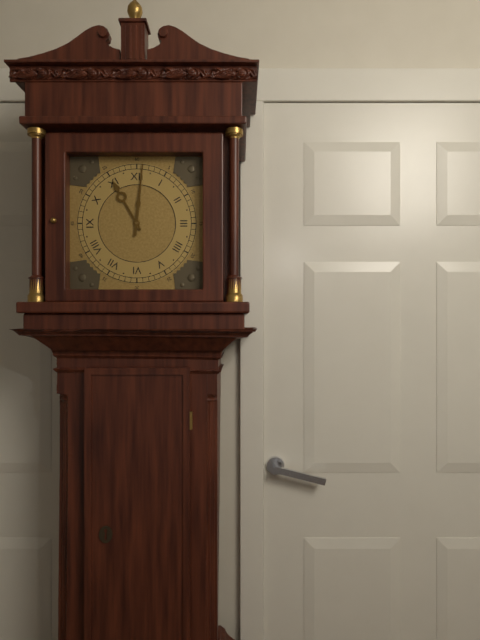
11:01
